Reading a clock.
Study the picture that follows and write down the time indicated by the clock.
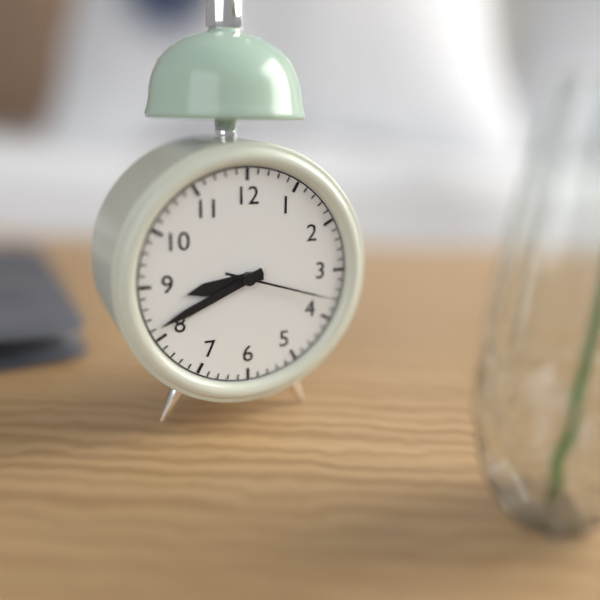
8:41:18
